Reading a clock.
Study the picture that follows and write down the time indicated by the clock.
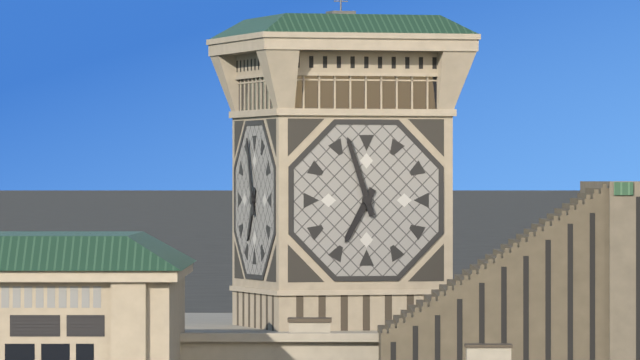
6:57
